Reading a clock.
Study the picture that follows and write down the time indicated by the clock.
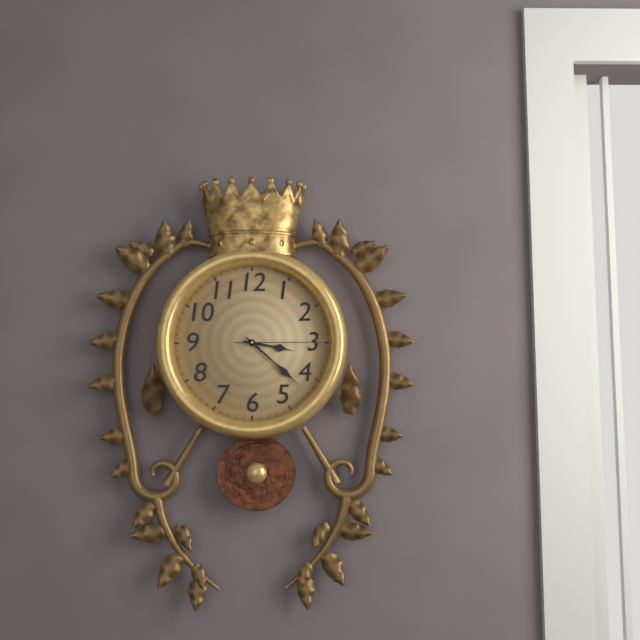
3:22:15
